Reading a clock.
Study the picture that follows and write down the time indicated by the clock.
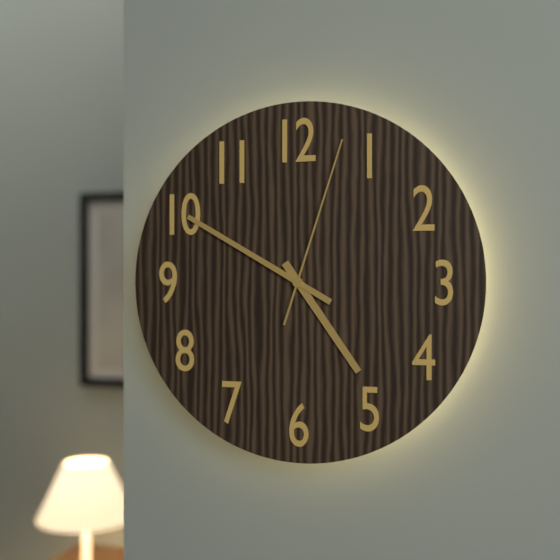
4:50:03
